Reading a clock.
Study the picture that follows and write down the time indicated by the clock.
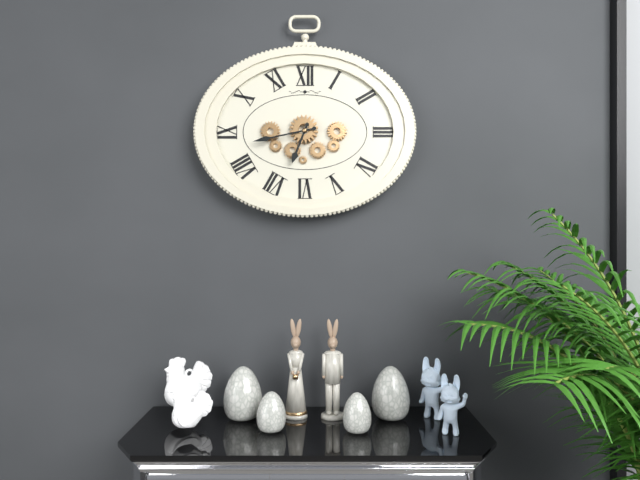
6:43
